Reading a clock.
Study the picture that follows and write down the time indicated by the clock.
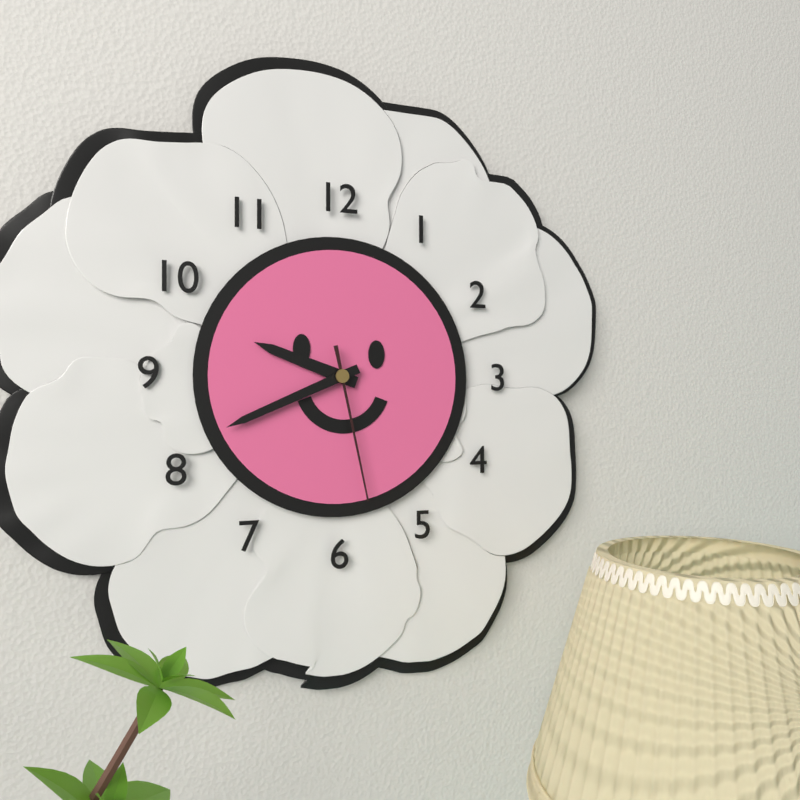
9:41:28
